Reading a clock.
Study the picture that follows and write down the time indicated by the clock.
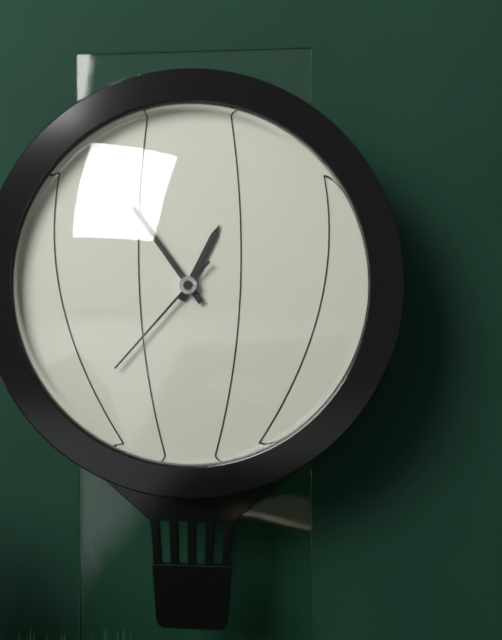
12:54:37
